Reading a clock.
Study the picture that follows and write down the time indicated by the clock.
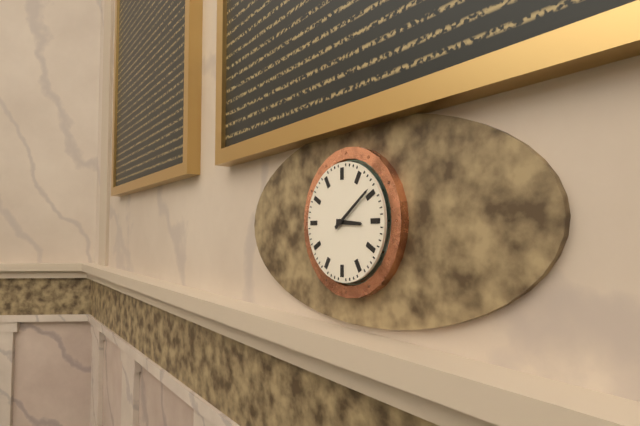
3:09
